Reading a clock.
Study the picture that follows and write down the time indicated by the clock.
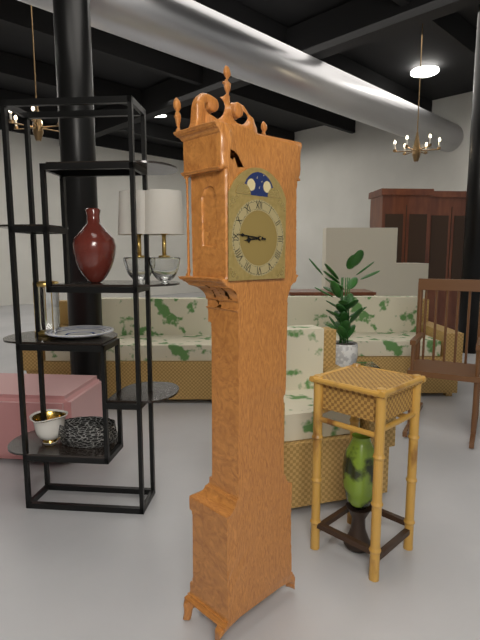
8:46
